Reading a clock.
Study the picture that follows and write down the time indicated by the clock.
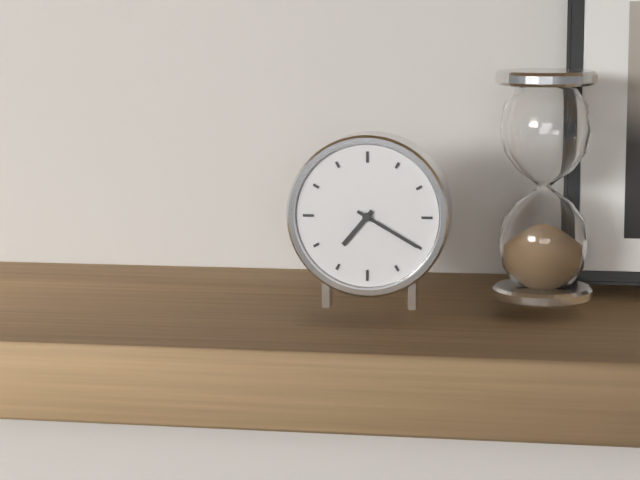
7:20
